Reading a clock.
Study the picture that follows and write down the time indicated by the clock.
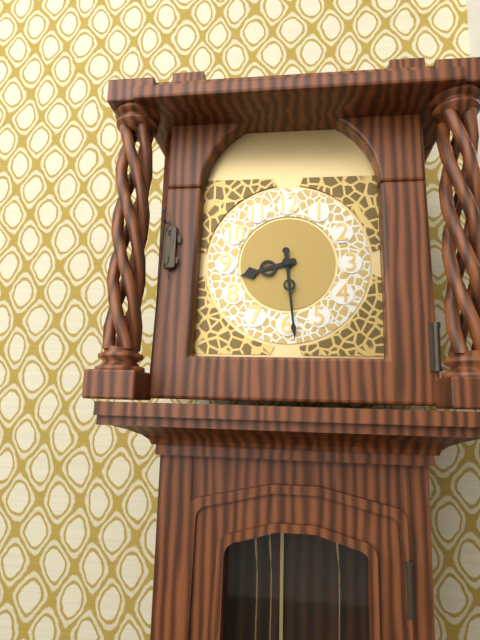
8:29
